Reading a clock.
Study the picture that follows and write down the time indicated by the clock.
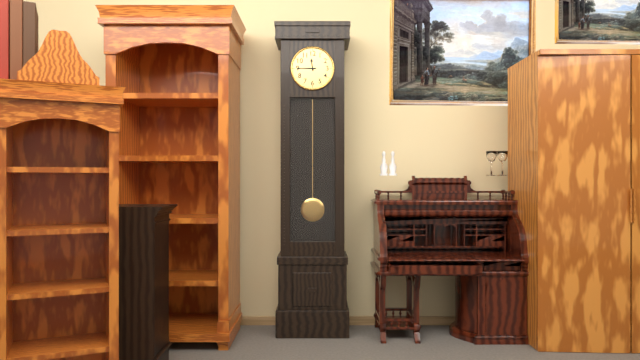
11:45
